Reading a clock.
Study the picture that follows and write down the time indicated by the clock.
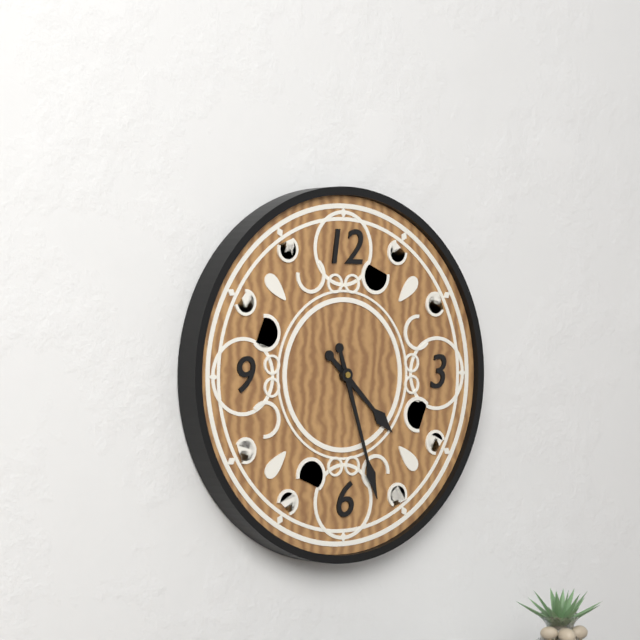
4:27
